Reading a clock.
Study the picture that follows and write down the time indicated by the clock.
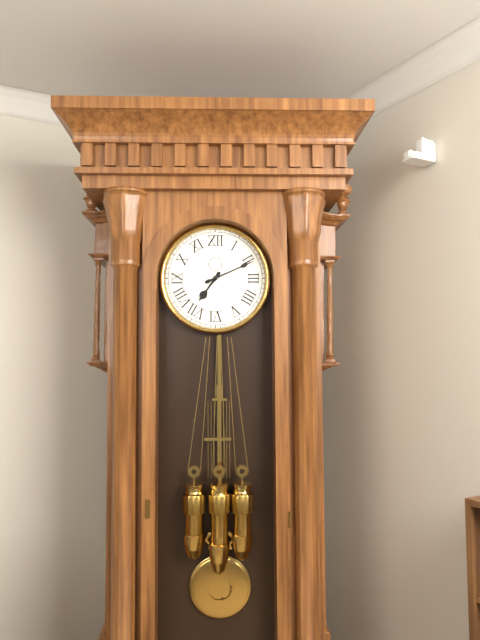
7:11
